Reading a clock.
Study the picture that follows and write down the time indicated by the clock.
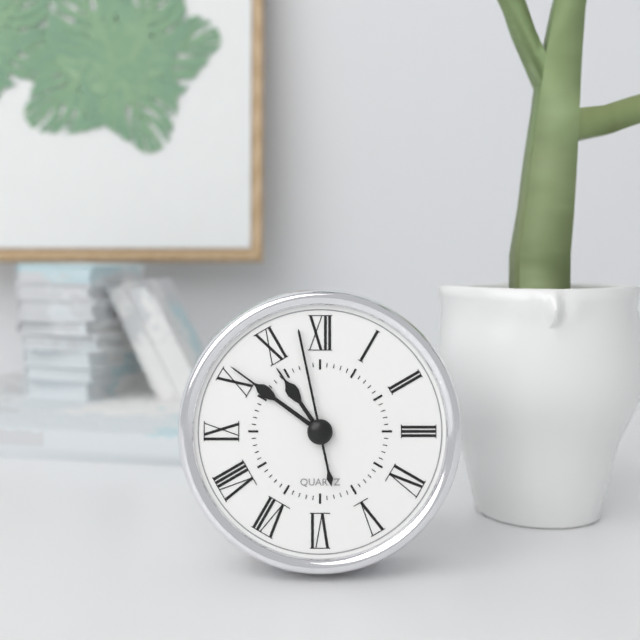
10:51:58
